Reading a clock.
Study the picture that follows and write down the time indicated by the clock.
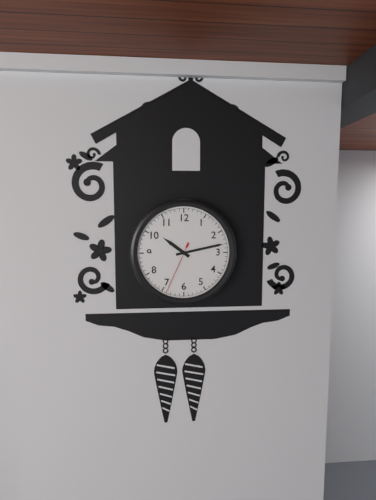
10:13:34
